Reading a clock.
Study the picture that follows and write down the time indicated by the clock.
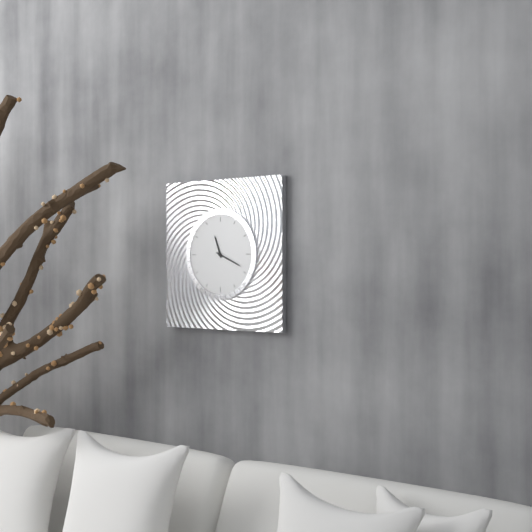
11:19
